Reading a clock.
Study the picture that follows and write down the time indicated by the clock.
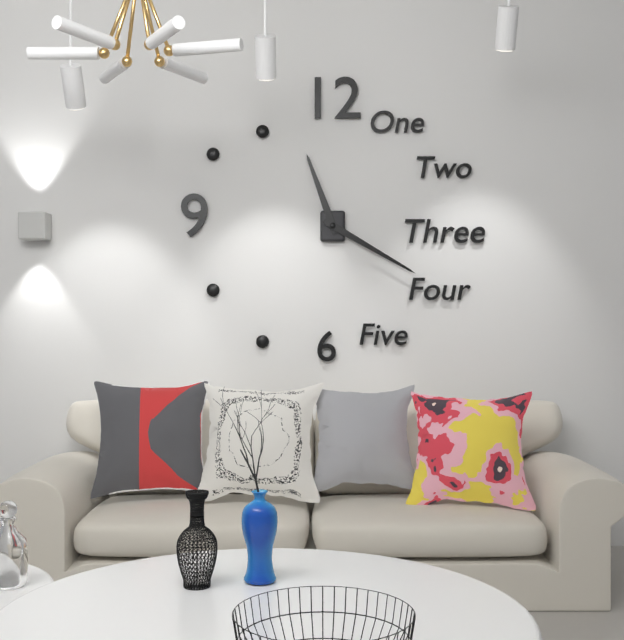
11:20
